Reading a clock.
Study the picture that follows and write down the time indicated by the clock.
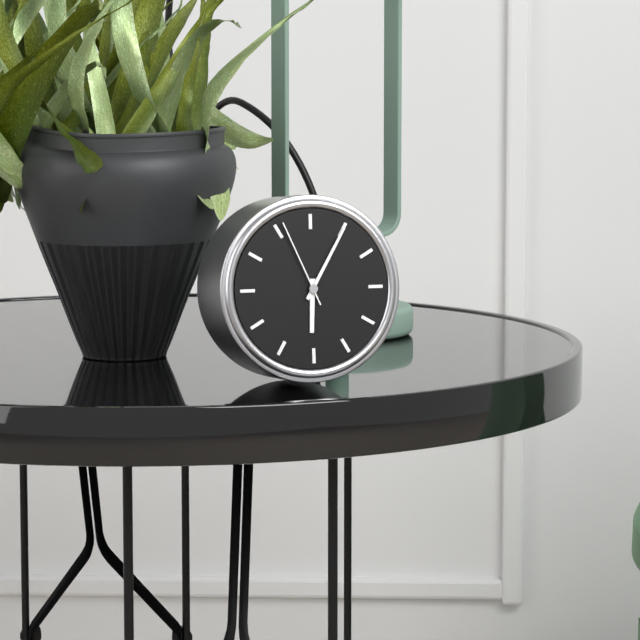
6:05:56
